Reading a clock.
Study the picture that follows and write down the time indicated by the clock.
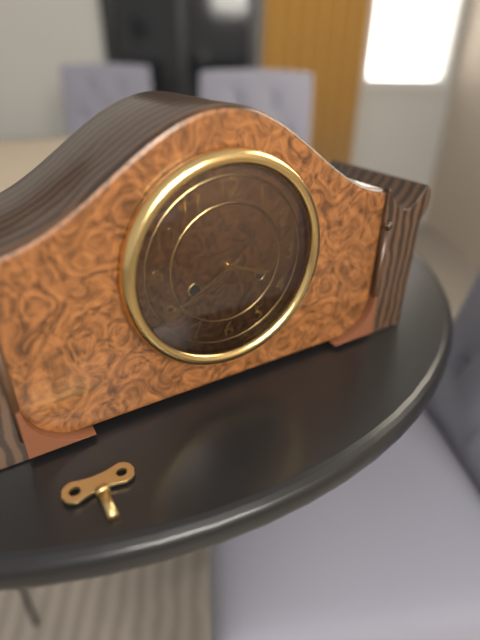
3:40
